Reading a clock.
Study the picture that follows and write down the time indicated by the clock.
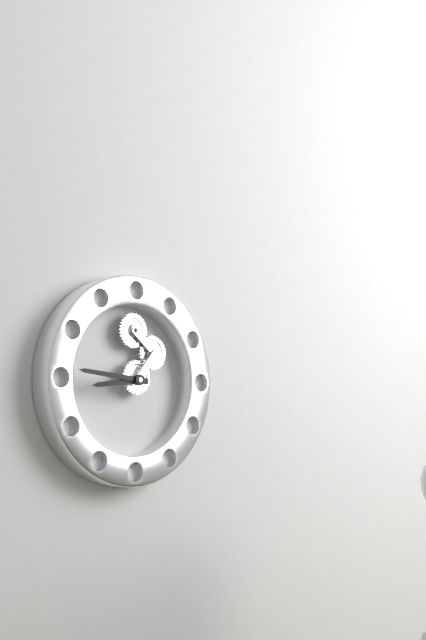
8:46
